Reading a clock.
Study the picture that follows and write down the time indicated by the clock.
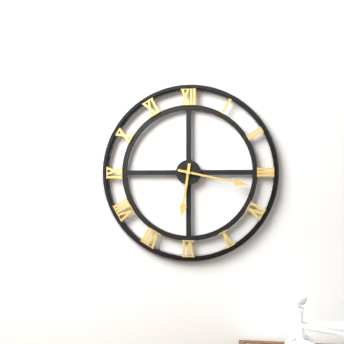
6:17
